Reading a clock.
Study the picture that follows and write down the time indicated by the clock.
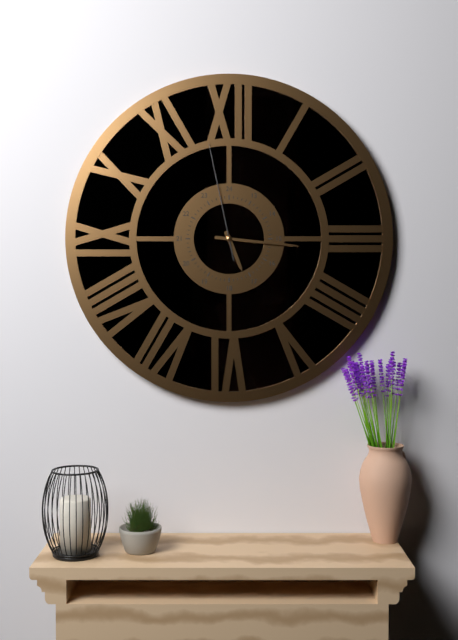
5:16:58
